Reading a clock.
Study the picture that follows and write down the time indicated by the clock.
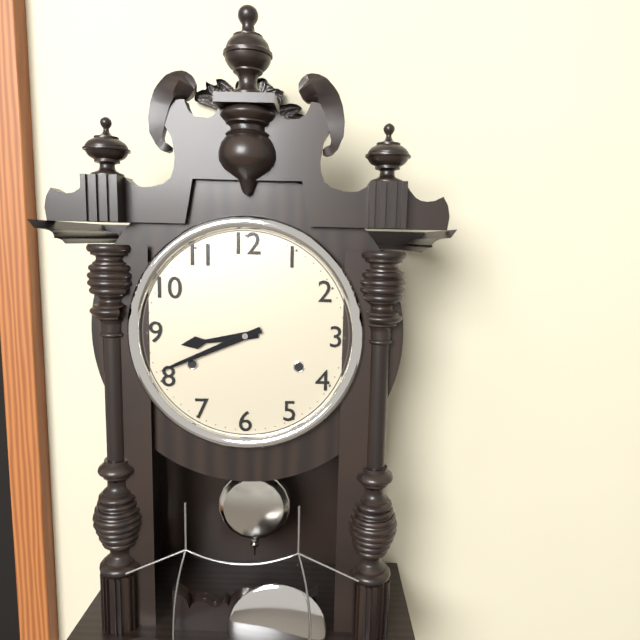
8:41
